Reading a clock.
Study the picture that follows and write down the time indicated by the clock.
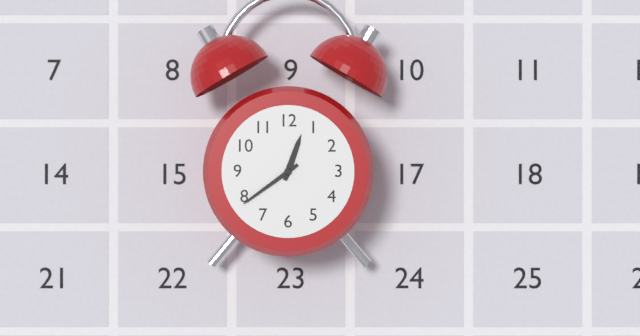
12:39
